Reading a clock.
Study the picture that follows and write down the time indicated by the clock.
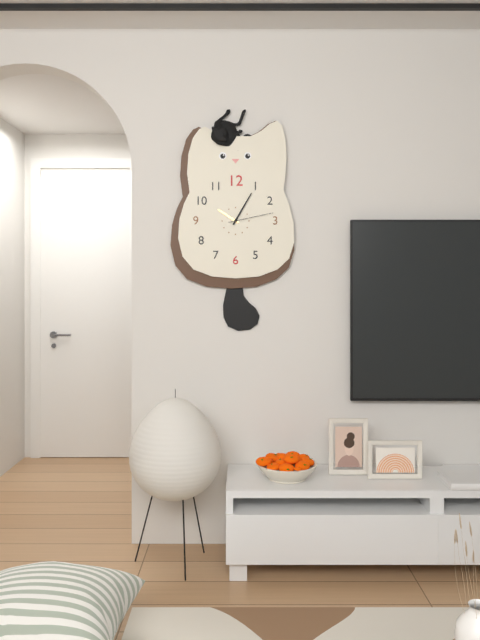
10:05
